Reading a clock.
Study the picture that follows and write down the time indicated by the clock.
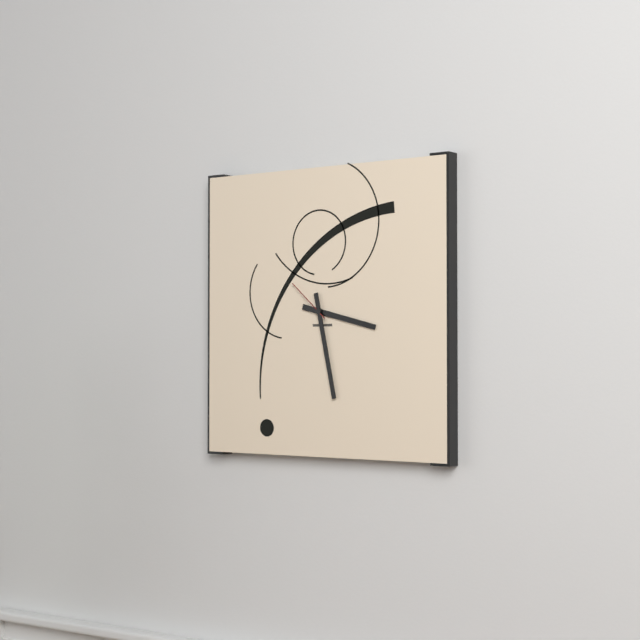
3:28
